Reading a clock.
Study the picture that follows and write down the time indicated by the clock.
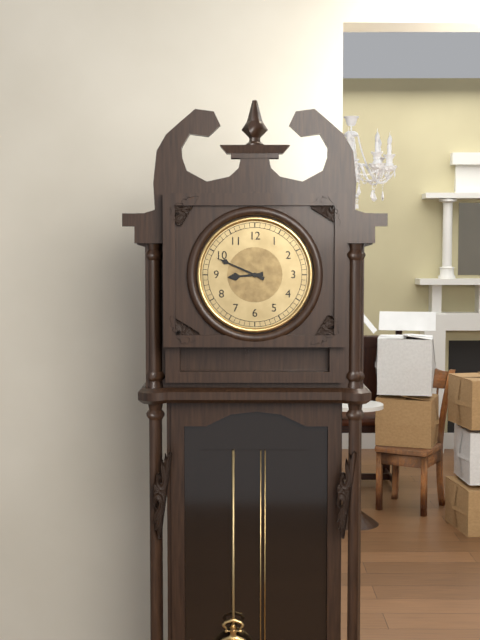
8:49
